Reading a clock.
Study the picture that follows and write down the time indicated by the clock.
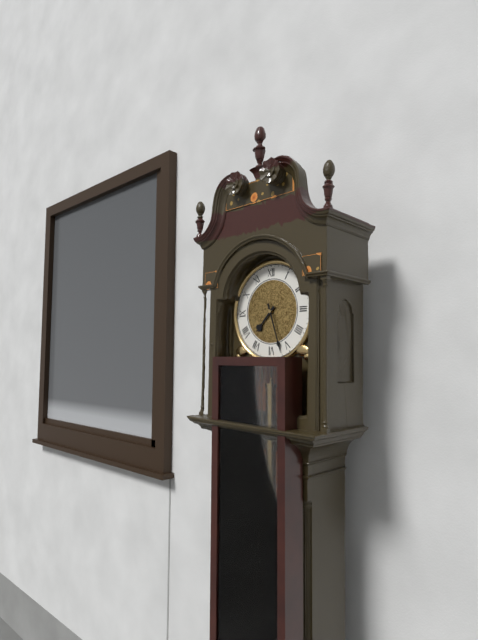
7:27
